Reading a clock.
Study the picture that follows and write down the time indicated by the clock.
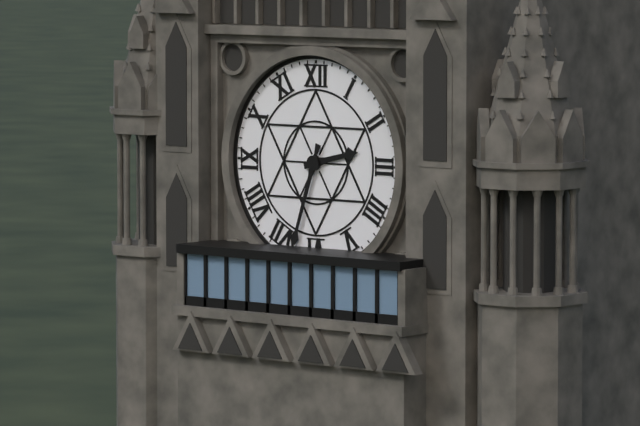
2:33
